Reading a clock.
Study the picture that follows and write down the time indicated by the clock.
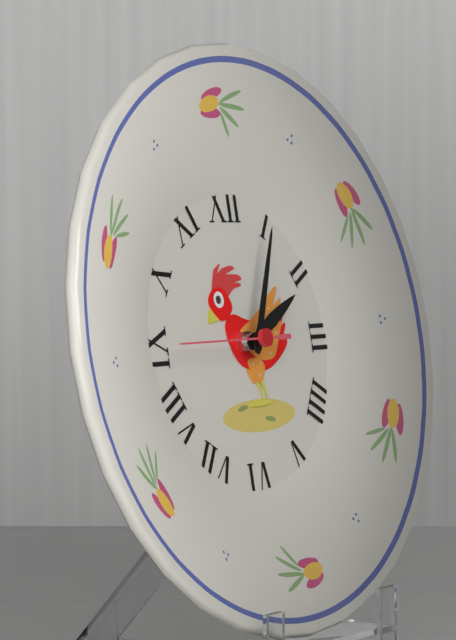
2:04:45
